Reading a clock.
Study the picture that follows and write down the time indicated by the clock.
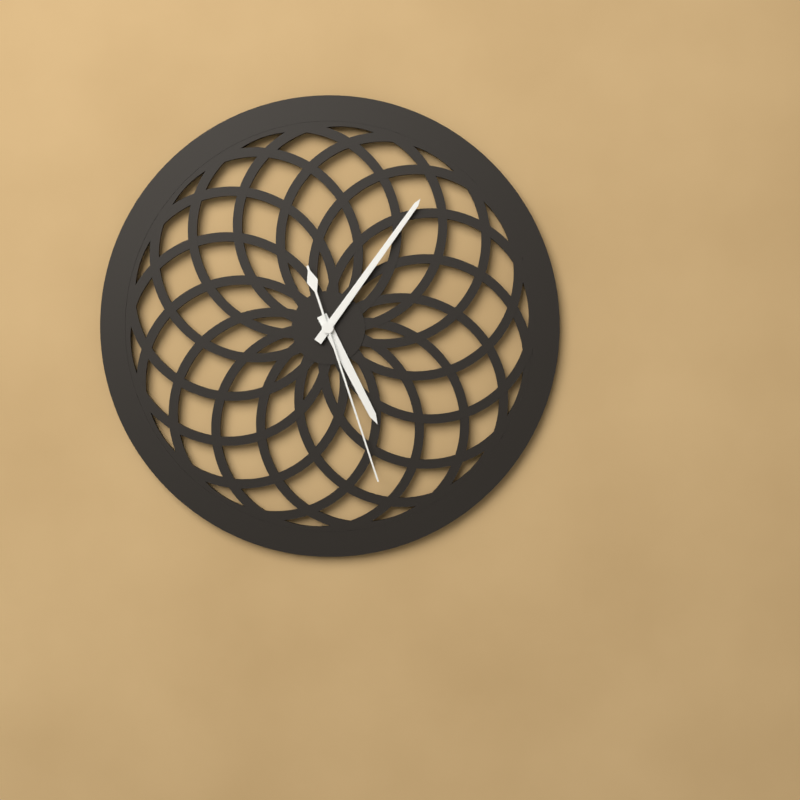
5:06:27
